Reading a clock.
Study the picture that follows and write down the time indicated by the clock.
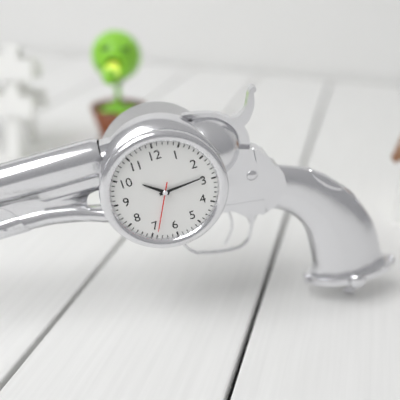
10:14:34
